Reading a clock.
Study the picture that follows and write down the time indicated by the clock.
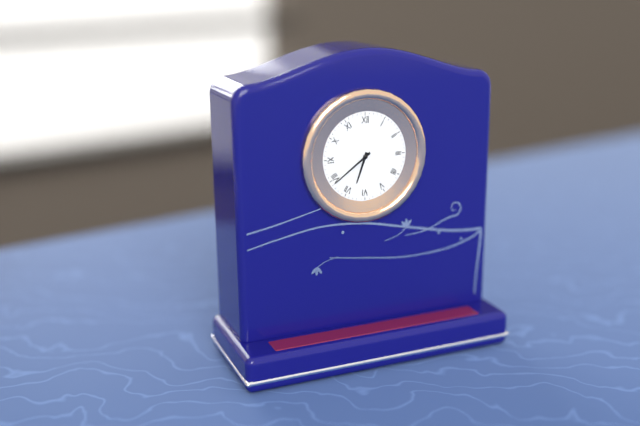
6:39
